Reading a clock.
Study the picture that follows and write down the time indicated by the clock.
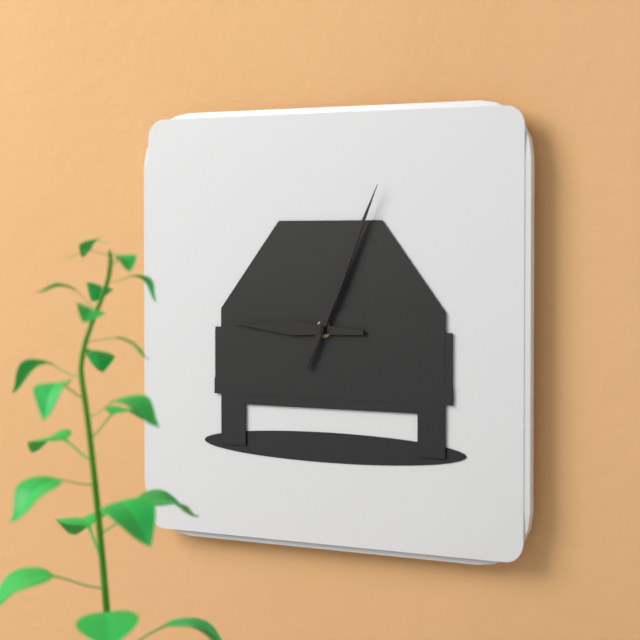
9:04
